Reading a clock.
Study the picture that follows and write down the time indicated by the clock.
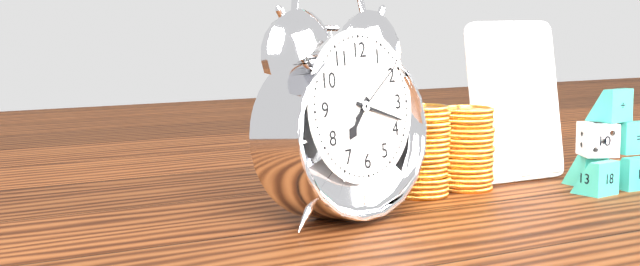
7:18:09
